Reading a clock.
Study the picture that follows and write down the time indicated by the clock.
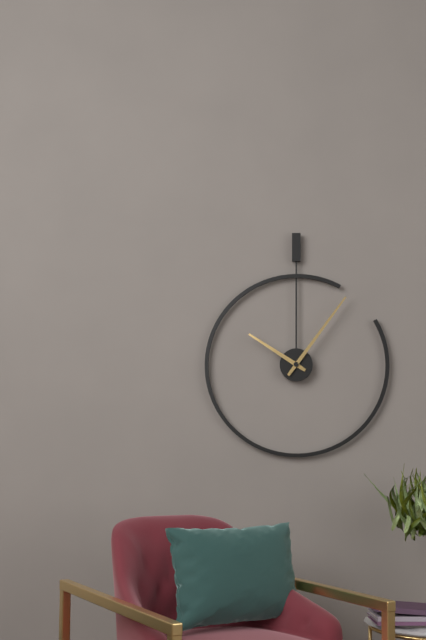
10:06
